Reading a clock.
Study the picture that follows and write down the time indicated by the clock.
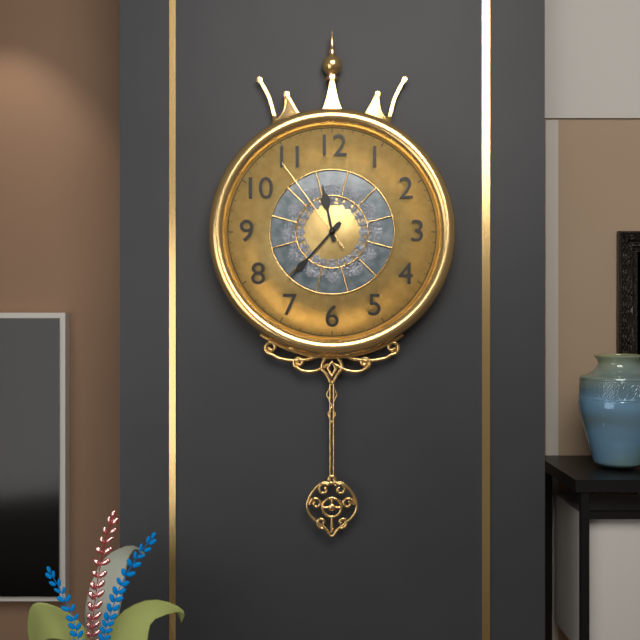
11:37:54
